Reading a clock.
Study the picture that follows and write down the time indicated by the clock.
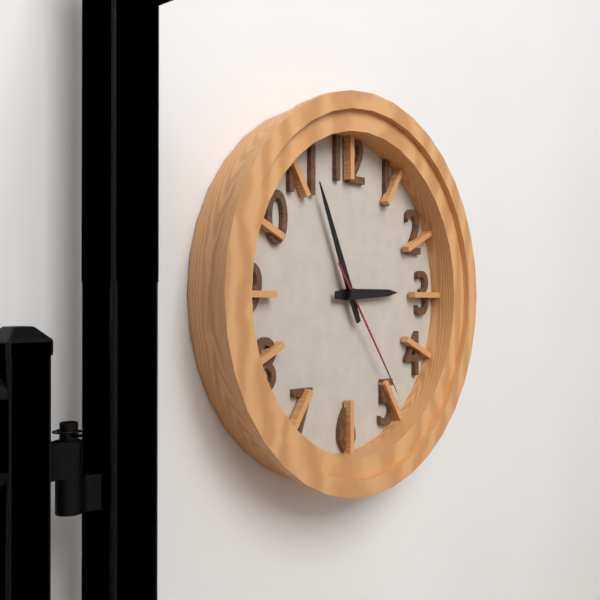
2:56:24
